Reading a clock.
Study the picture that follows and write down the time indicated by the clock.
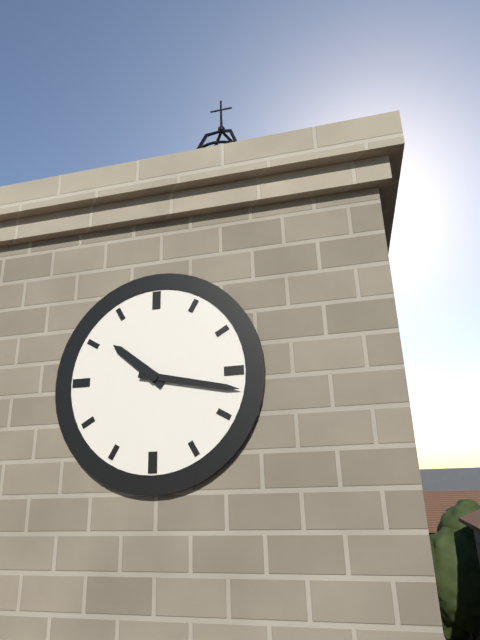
10:17
